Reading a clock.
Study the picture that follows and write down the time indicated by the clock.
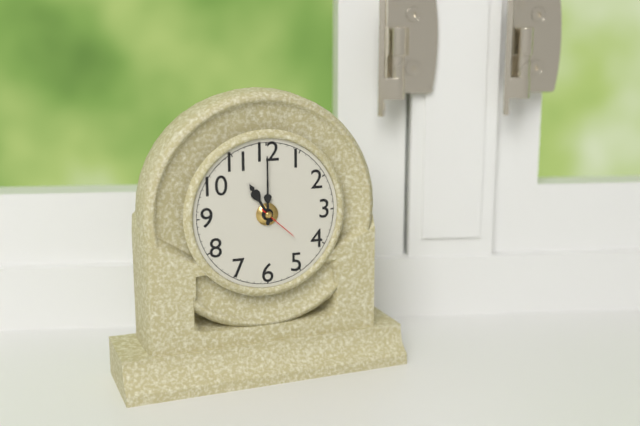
11:00
